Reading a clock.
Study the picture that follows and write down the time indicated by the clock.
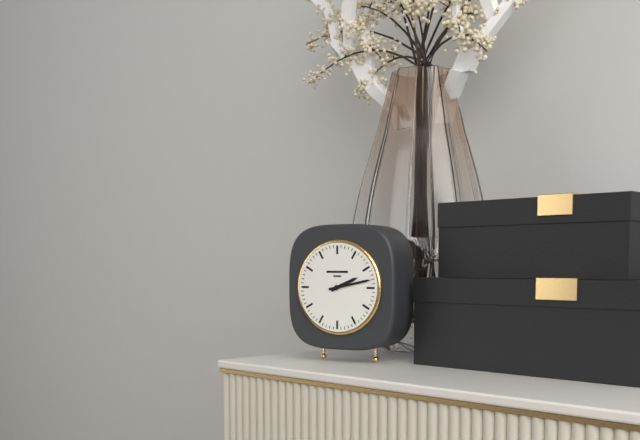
2:13
